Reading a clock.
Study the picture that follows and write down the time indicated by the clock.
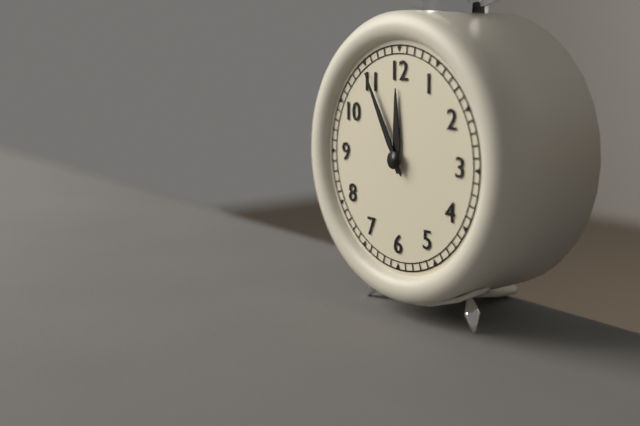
11:55
